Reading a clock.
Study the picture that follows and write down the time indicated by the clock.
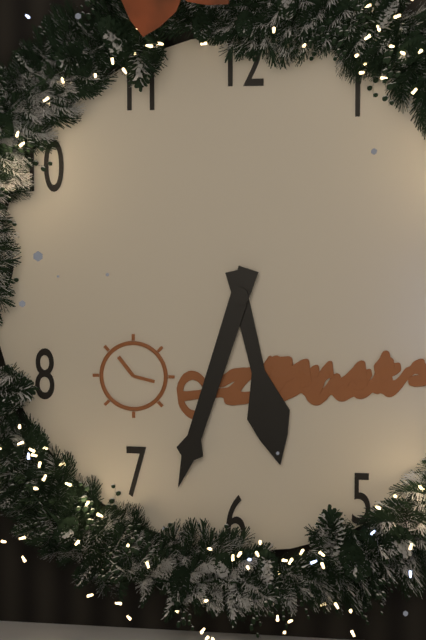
5:33
